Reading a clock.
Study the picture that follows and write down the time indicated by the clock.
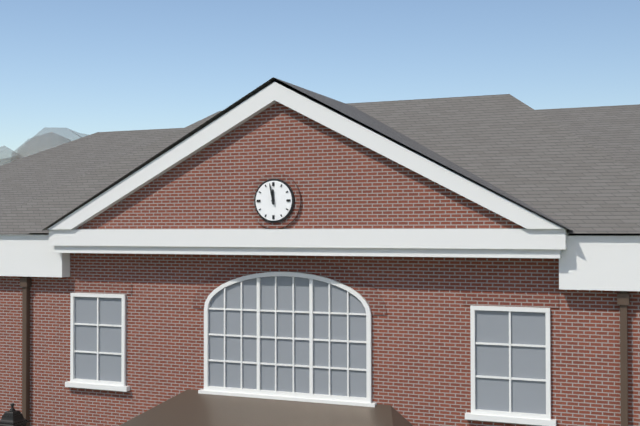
11:58
